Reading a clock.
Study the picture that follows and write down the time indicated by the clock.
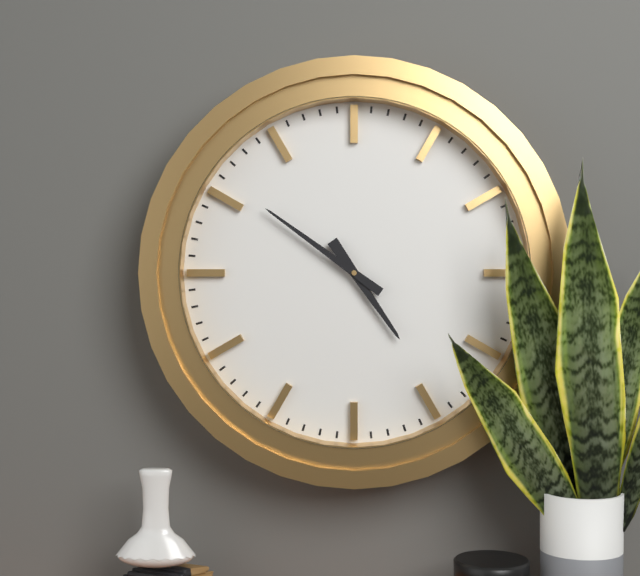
4:51
